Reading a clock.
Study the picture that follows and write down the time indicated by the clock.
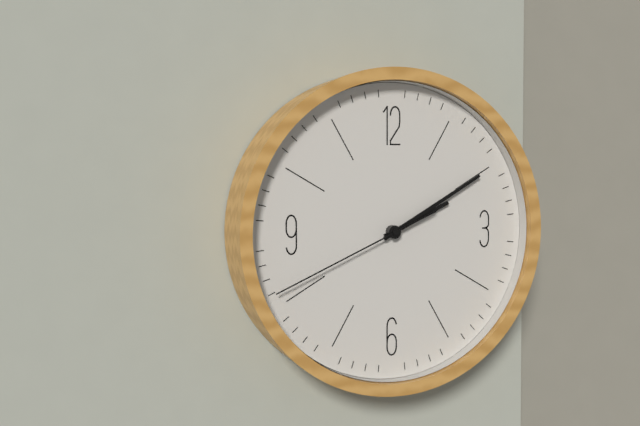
2:10:41
